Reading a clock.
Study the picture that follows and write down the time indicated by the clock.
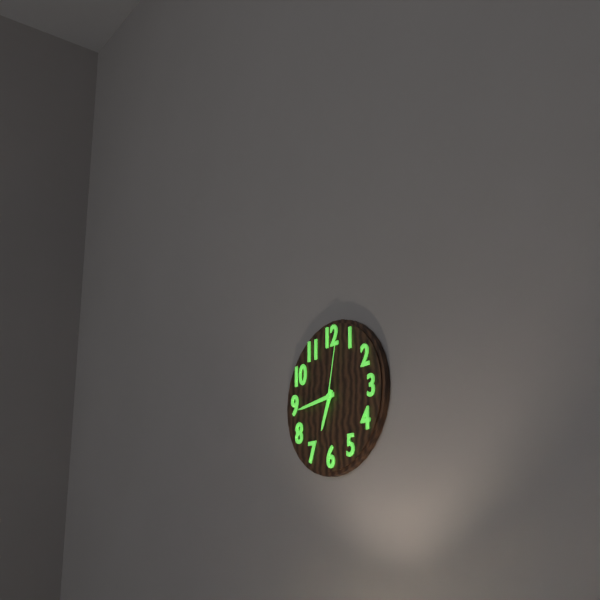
6:44:02
